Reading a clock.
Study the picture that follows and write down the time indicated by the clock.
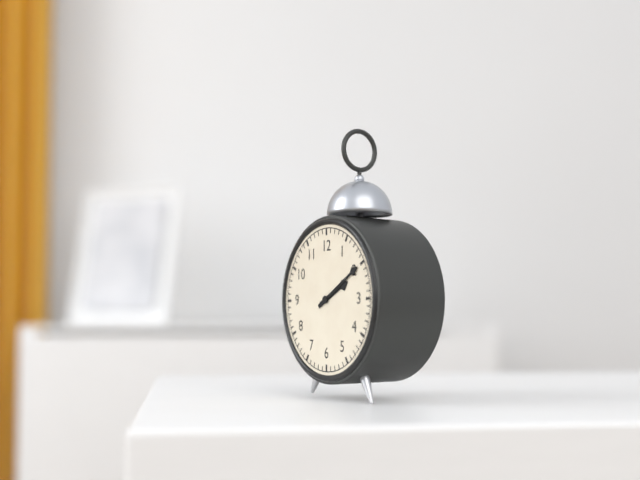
2:10
